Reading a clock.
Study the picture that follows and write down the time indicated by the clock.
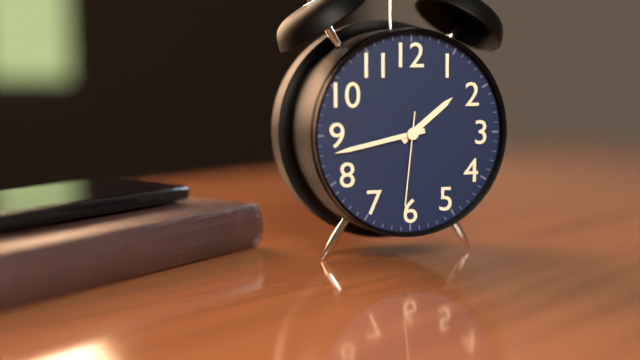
1:43:31
